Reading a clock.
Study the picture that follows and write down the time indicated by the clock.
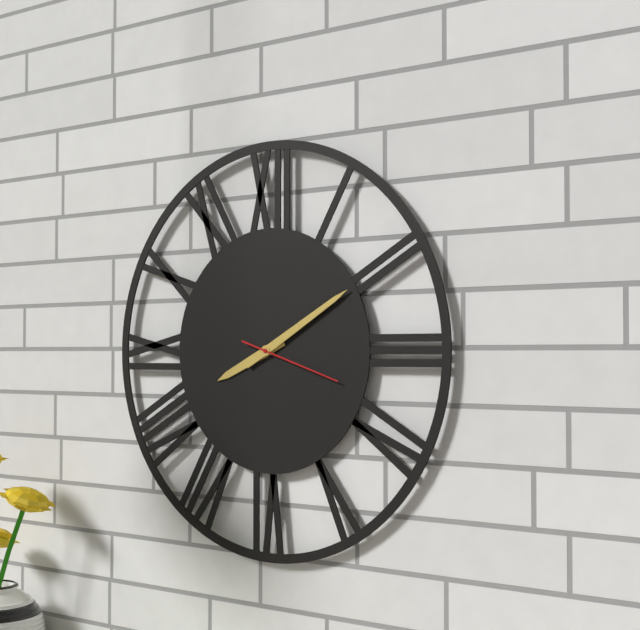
8:10:18
